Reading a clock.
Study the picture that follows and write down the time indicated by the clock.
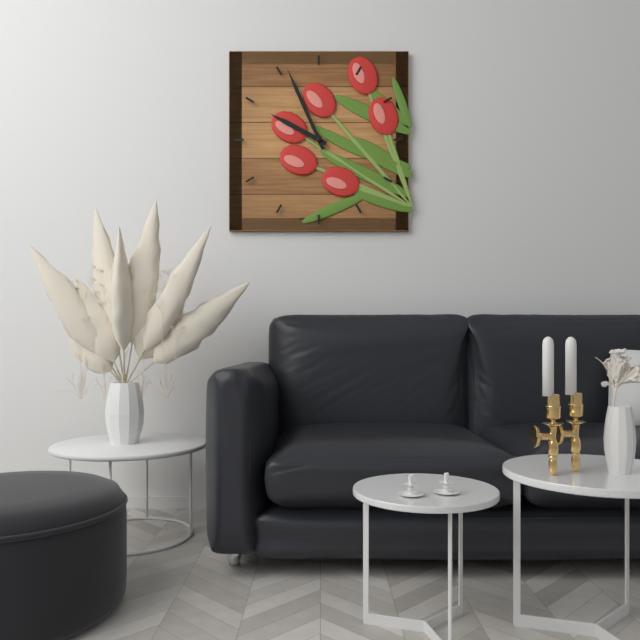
9:56
